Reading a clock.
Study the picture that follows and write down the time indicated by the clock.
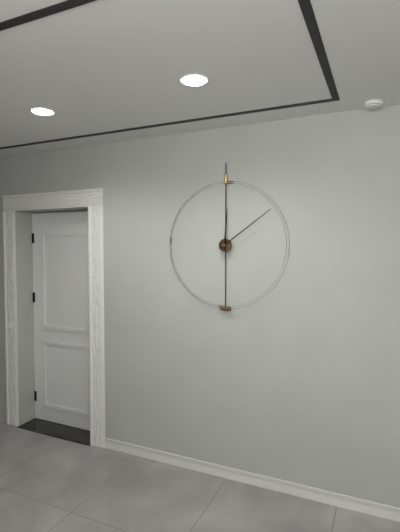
12:09
